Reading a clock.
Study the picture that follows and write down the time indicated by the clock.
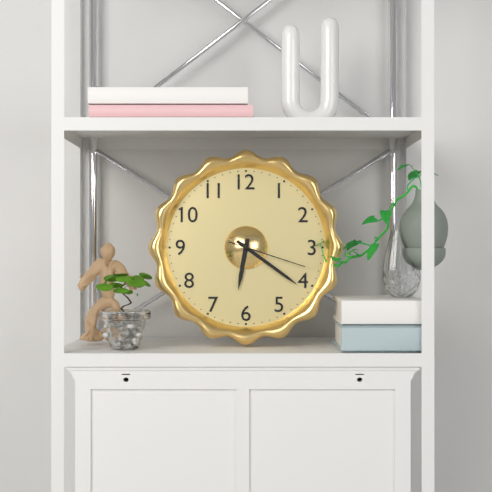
6:21:18
